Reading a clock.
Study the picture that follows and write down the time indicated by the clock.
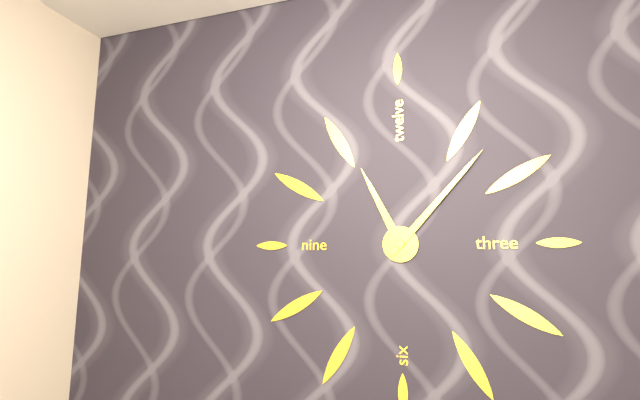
11:07
